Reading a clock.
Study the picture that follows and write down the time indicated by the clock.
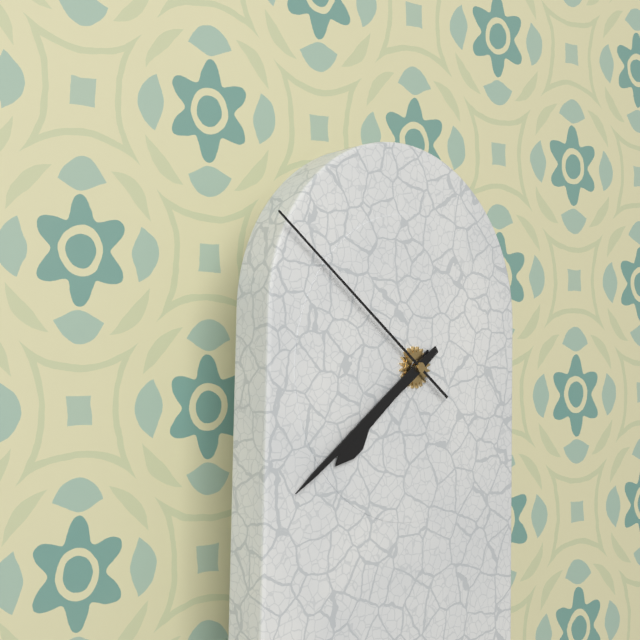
7:39:51
